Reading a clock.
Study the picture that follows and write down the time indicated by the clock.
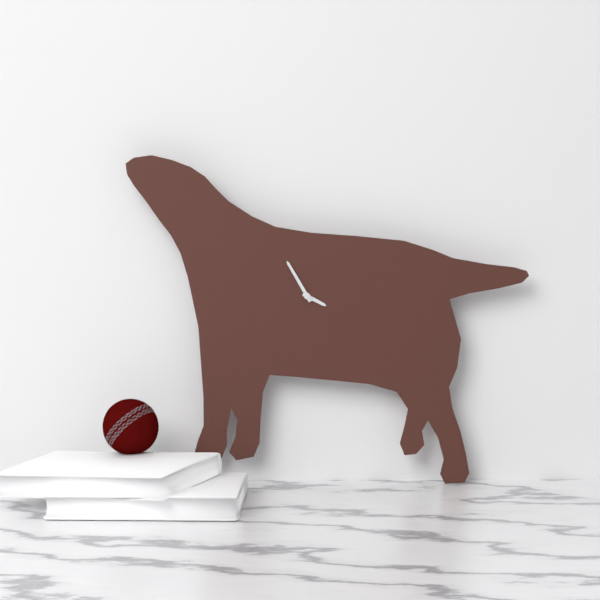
3:55
